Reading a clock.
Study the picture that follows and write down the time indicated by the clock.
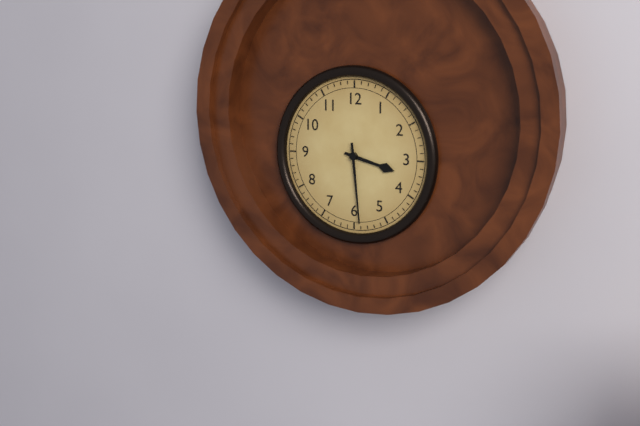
3:29
